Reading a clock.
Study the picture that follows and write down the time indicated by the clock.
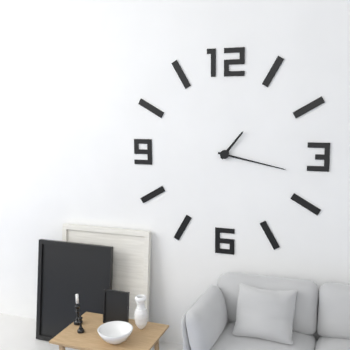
1:17
